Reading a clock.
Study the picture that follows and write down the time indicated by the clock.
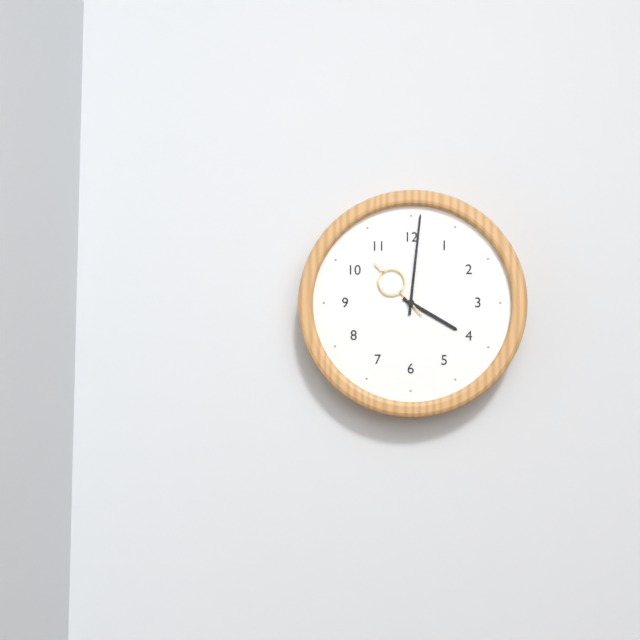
4:01:53
